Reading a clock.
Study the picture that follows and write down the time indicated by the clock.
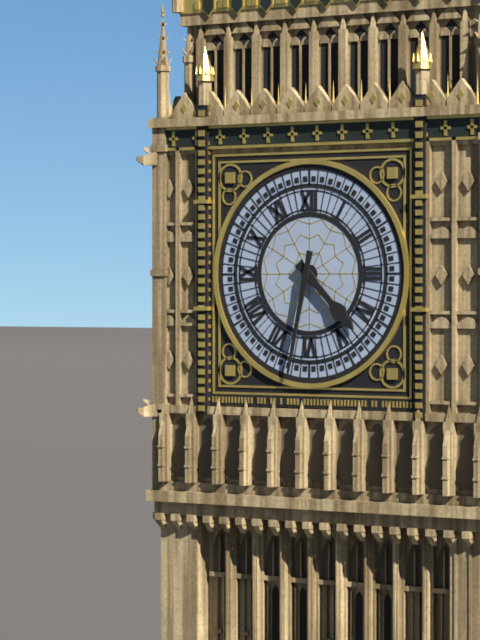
4:32
